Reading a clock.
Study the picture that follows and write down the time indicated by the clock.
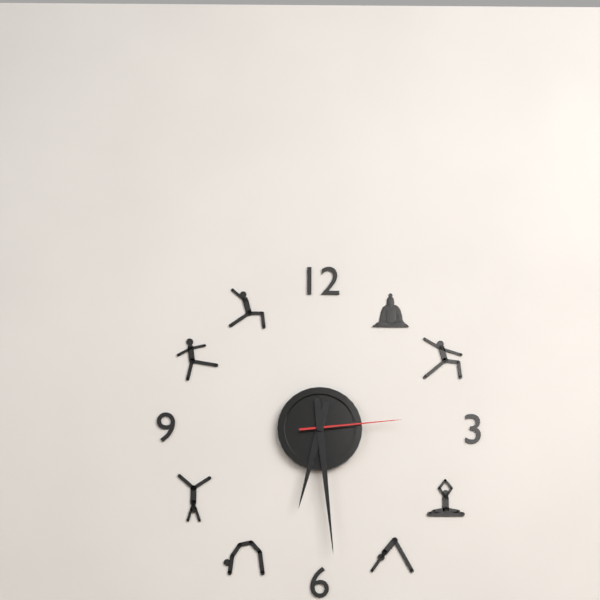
6:29:14
